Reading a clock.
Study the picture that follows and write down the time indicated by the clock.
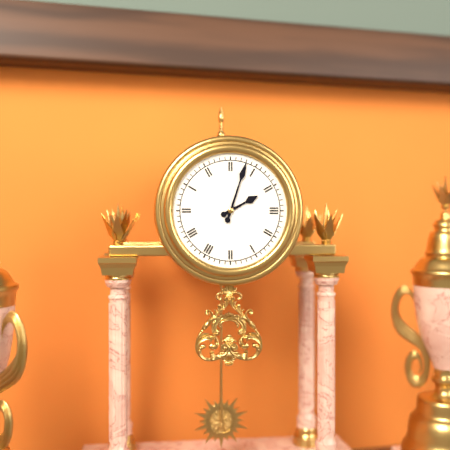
2:03
